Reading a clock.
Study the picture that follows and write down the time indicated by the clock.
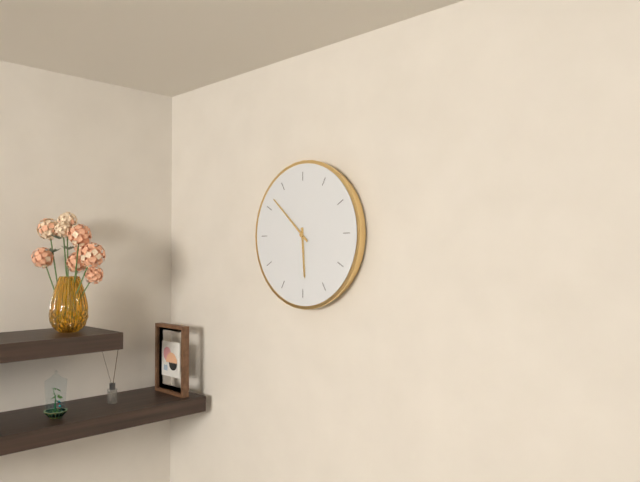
5:52
